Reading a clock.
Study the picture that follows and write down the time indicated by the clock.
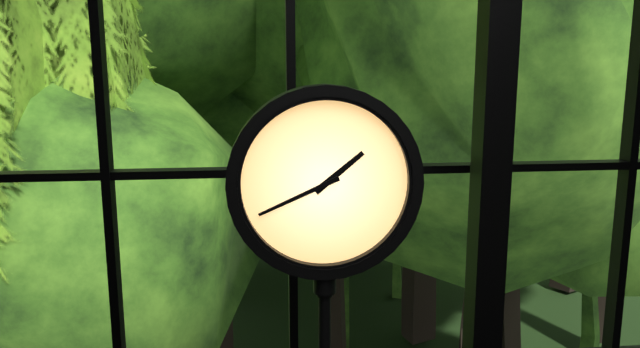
1:41
